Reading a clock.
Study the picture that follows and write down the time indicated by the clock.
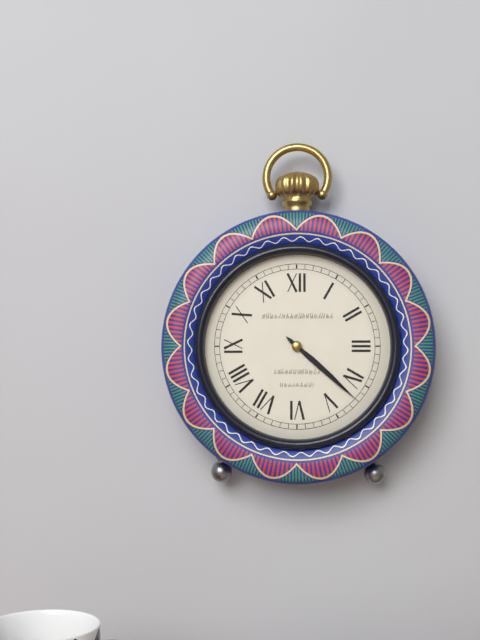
4:22
